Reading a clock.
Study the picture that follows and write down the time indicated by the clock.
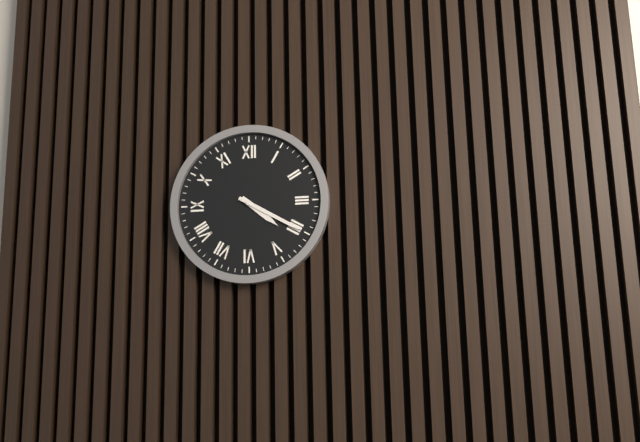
4:20
